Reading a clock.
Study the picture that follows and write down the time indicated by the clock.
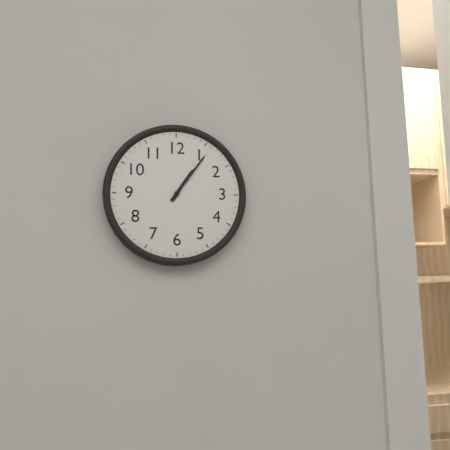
1:06
